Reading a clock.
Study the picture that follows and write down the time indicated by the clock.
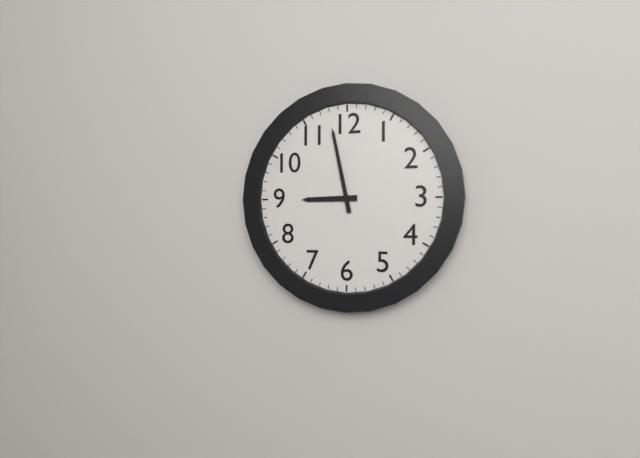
8:58
